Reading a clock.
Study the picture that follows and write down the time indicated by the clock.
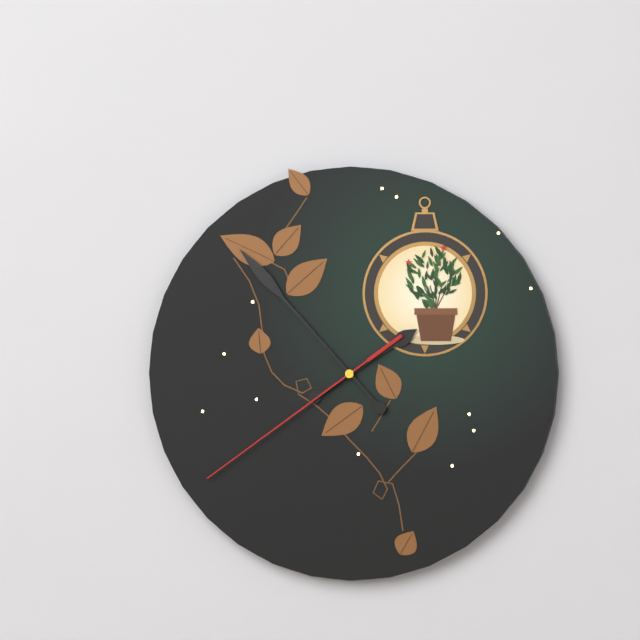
1:53:39
